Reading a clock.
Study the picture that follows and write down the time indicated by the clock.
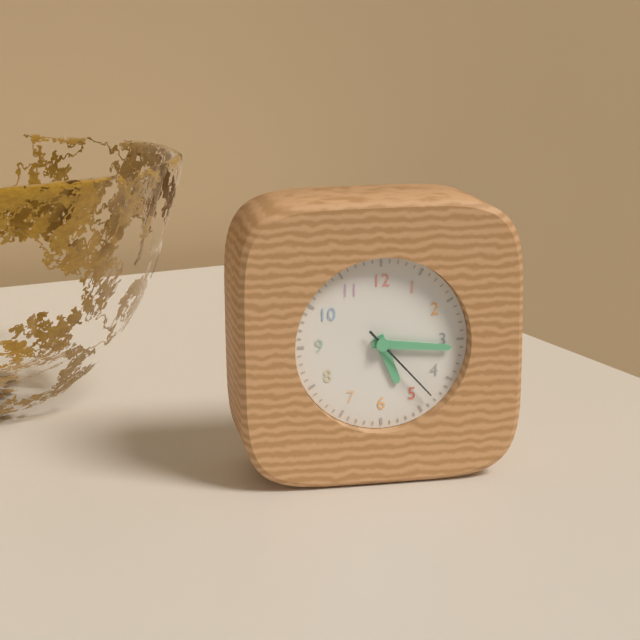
5:16:23
